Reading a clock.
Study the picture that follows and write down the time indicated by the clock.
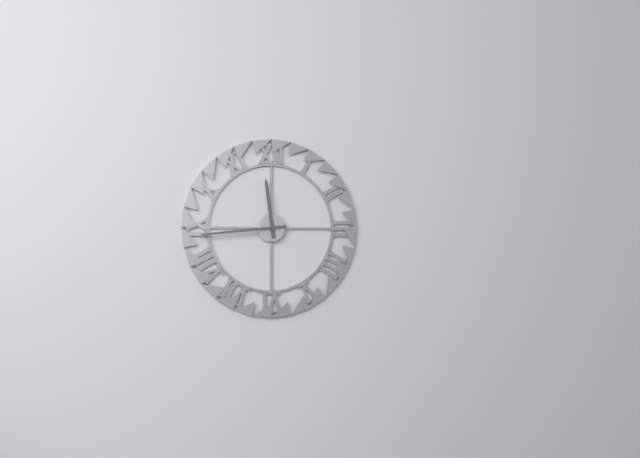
11:44
